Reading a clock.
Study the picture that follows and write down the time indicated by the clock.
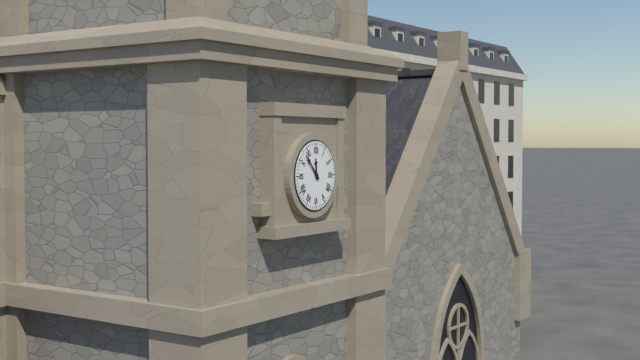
11:53
